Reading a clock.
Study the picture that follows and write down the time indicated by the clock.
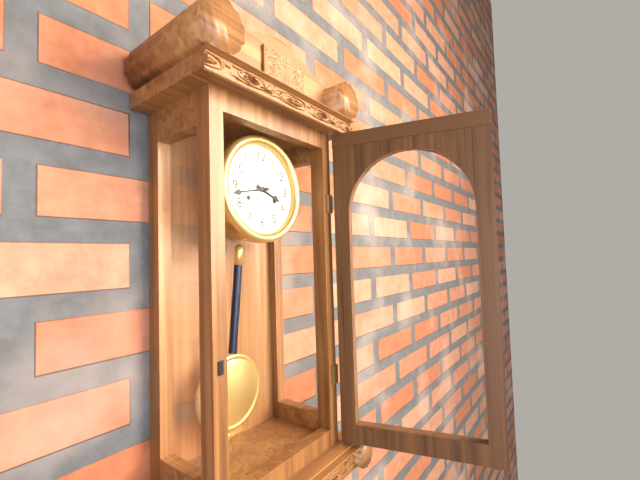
3:43
